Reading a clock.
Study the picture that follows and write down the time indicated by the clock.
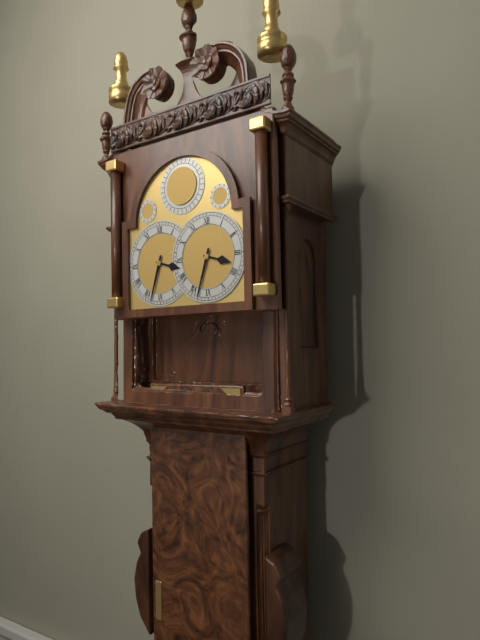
3:33
